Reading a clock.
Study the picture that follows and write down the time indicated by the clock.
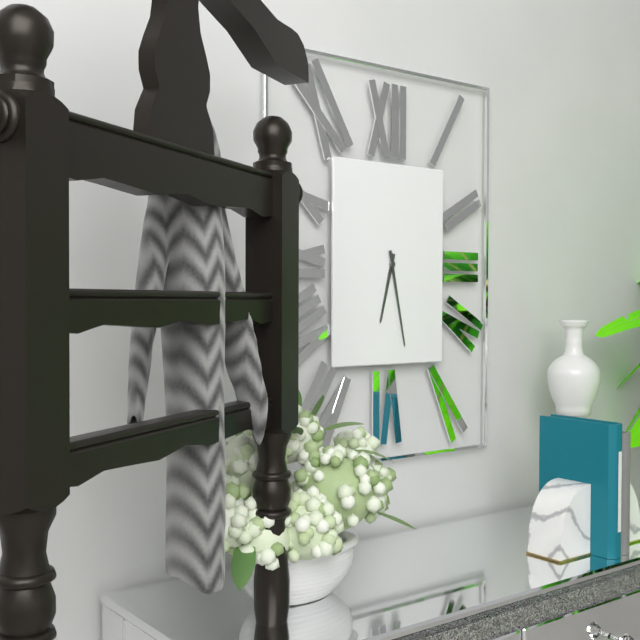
6:28
